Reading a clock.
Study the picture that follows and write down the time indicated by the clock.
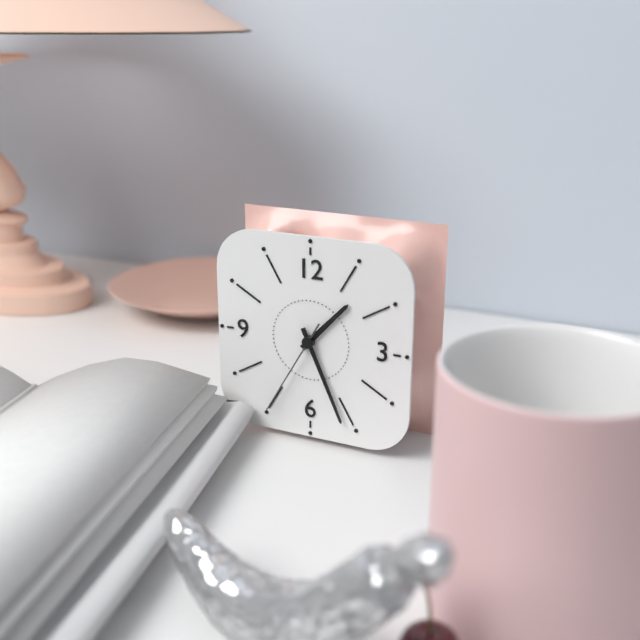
1:26:35
